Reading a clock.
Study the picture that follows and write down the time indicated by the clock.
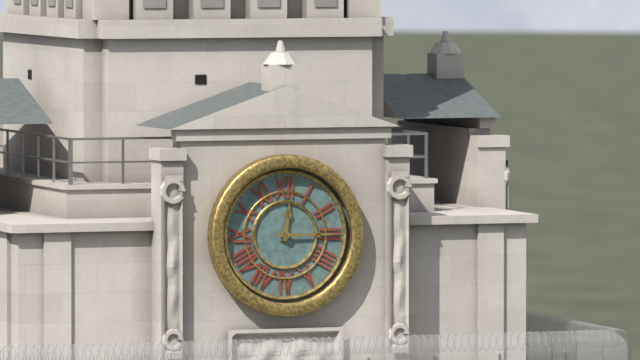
12:15
